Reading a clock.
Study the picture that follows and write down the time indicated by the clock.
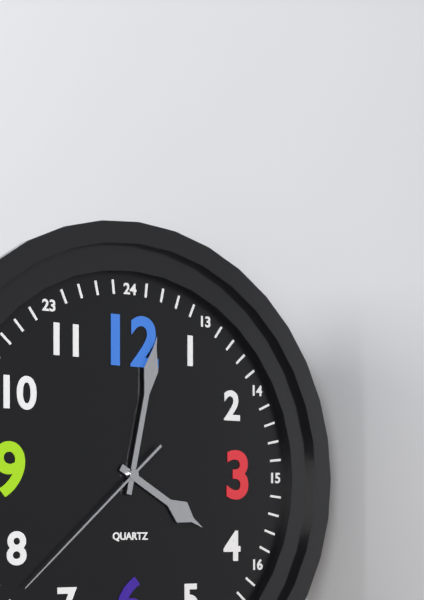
4:02:38
